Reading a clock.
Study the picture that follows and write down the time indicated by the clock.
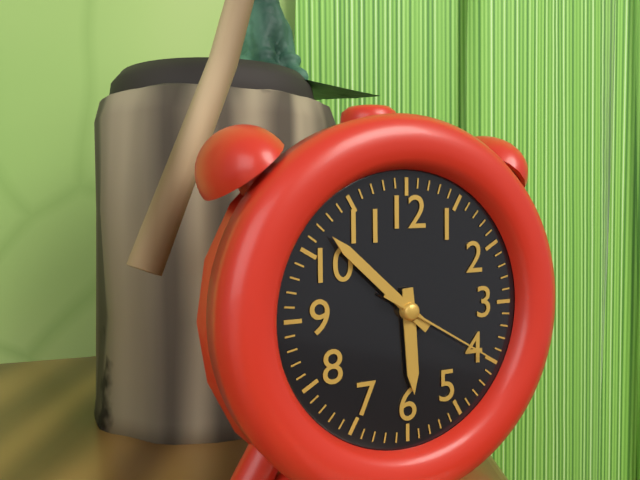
5:52:20
